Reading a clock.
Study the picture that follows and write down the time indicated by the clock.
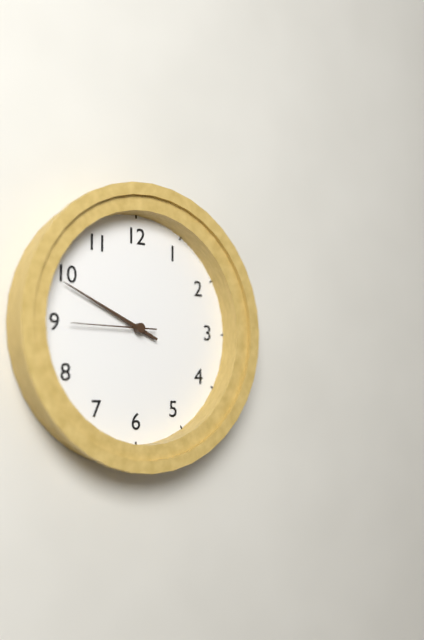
9:49:45
